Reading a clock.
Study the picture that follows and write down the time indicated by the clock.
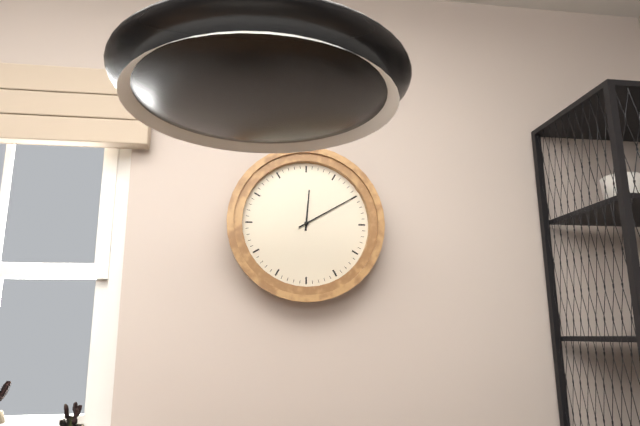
12:10
